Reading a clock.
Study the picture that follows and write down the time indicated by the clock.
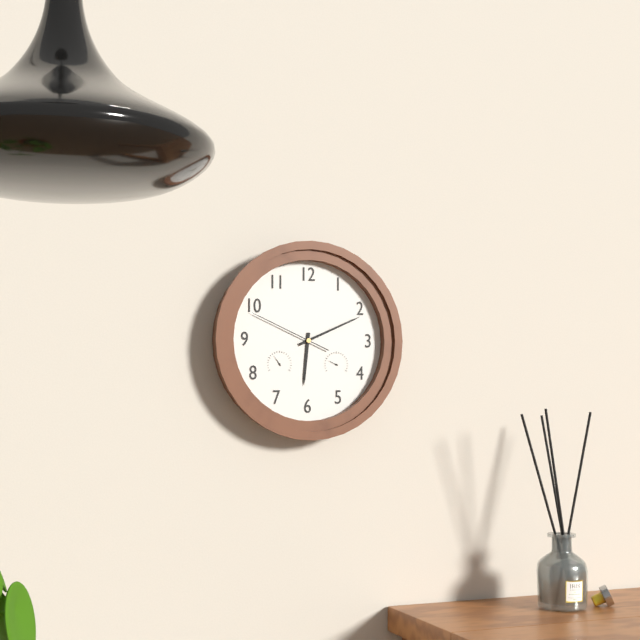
6:11:49
